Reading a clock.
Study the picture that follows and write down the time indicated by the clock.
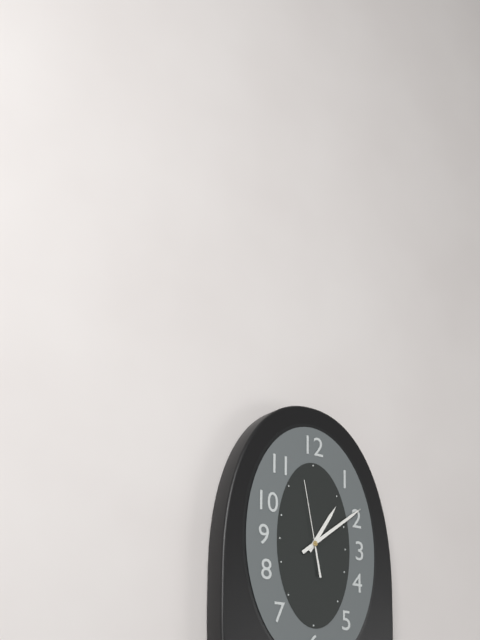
1:09:58
